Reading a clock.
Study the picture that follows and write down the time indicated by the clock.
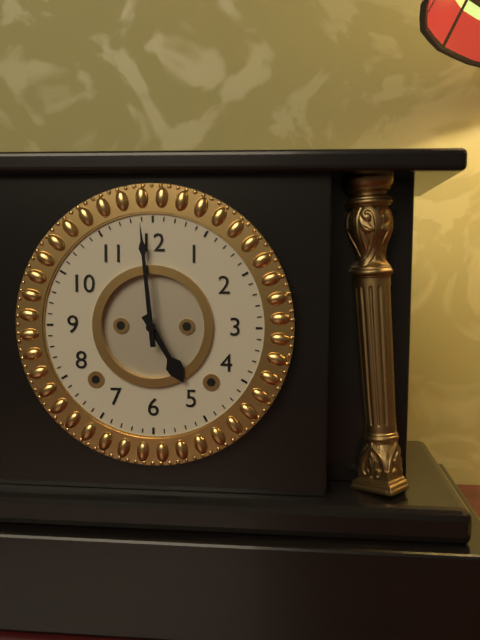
4:59
